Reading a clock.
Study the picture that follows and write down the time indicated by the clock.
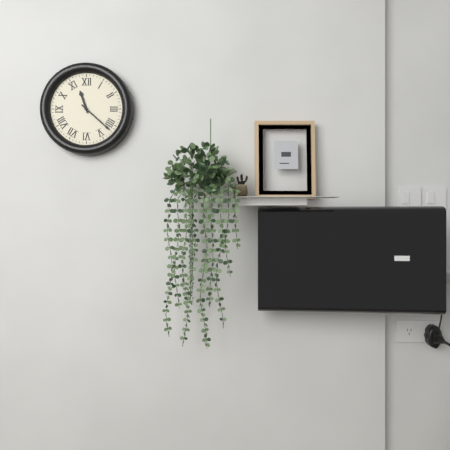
11:22
